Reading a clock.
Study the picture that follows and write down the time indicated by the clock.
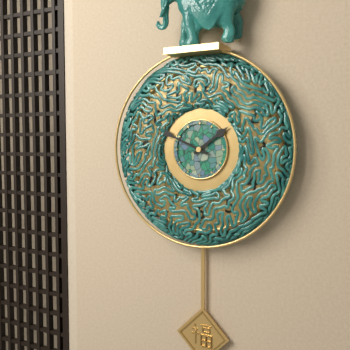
1:49
